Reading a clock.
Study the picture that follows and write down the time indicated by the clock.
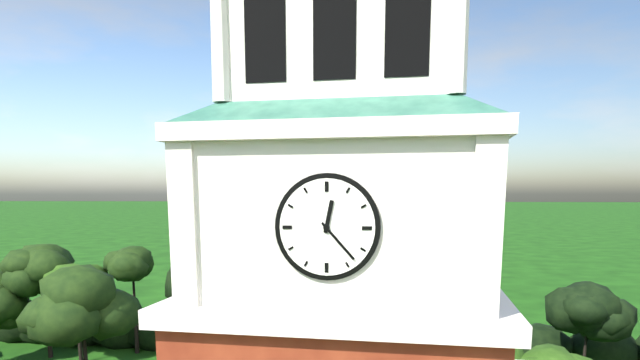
12:23
